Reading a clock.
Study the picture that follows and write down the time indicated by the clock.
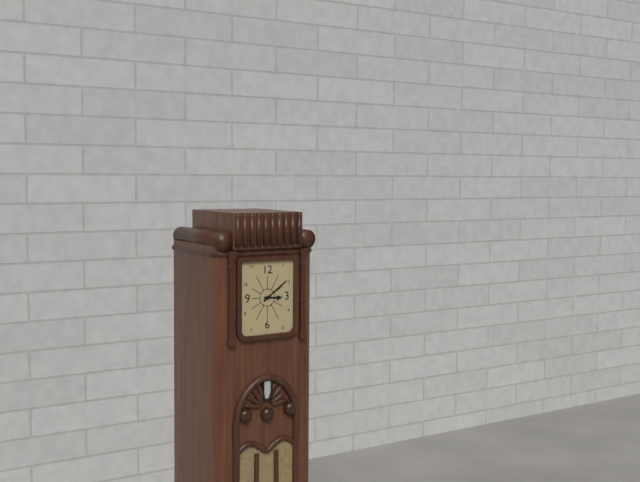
3:09
